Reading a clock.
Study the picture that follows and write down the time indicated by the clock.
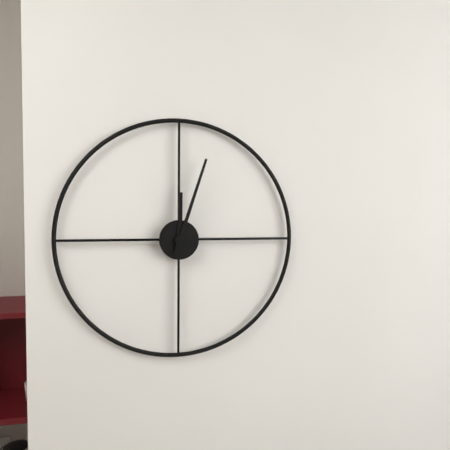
12:03
